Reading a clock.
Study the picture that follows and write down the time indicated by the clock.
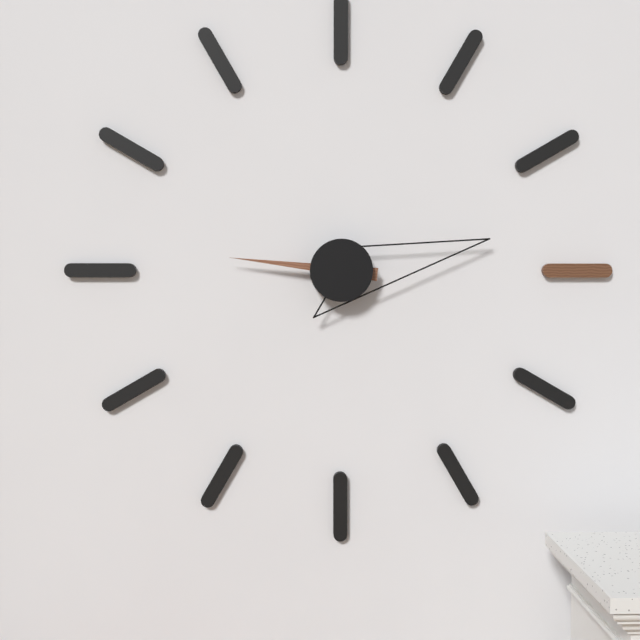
9:13
